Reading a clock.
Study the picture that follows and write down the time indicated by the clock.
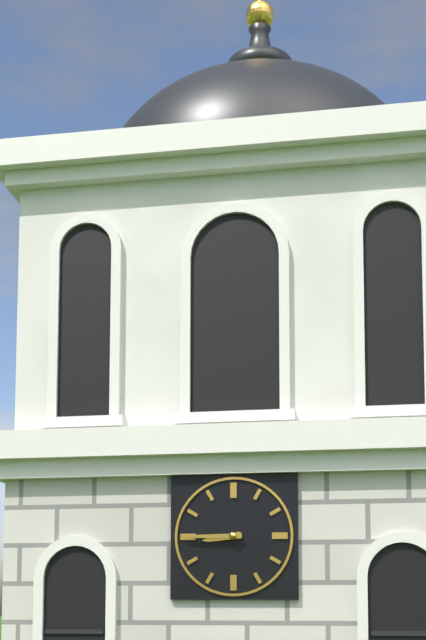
8:45
